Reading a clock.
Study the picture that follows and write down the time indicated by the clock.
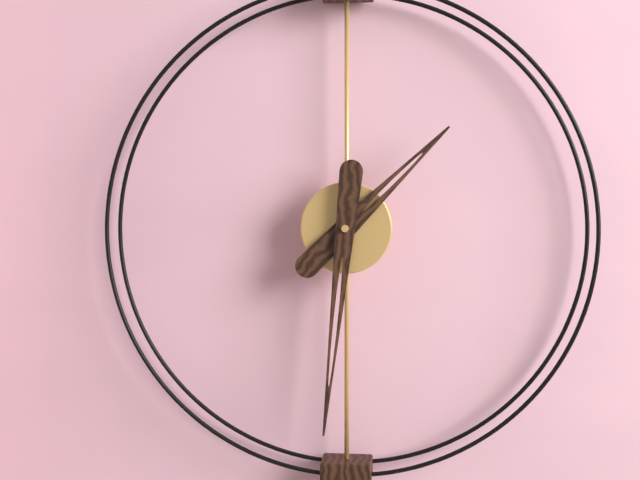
1:31
